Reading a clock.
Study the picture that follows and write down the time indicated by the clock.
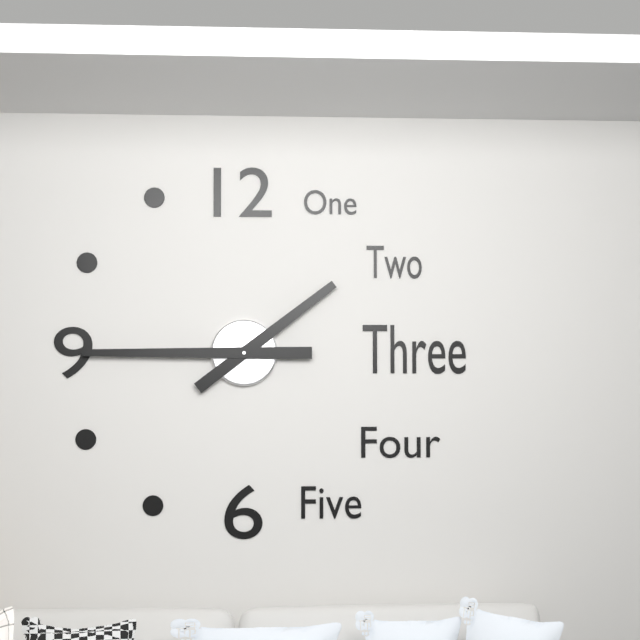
1:45
